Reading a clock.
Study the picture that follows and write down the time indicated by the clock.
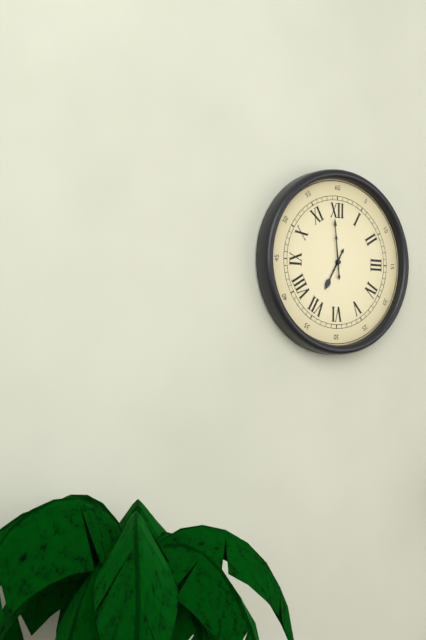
6:59
